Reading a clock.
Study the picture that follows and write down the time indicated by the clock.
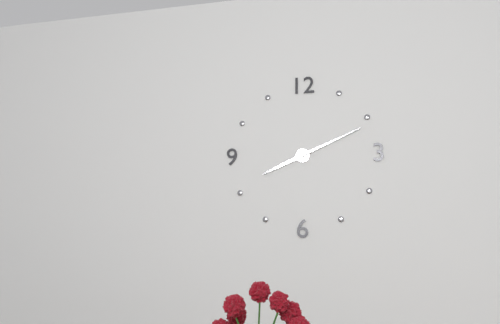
8:11
